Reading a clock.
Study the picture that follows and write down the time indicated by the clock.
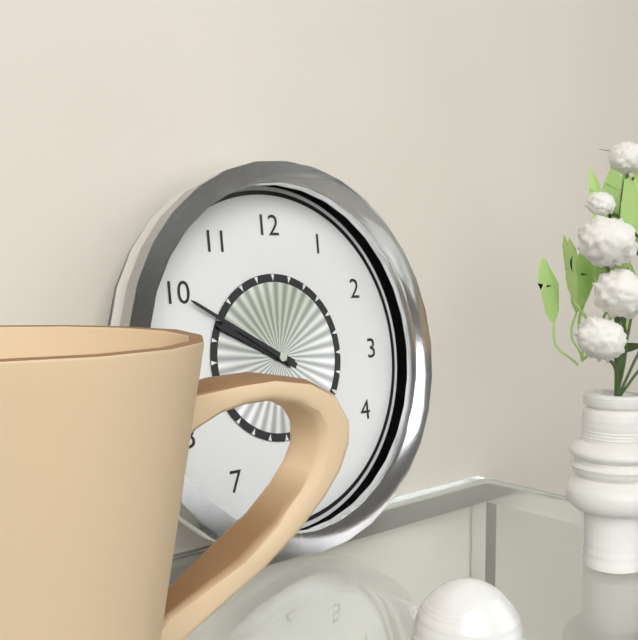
9:50
